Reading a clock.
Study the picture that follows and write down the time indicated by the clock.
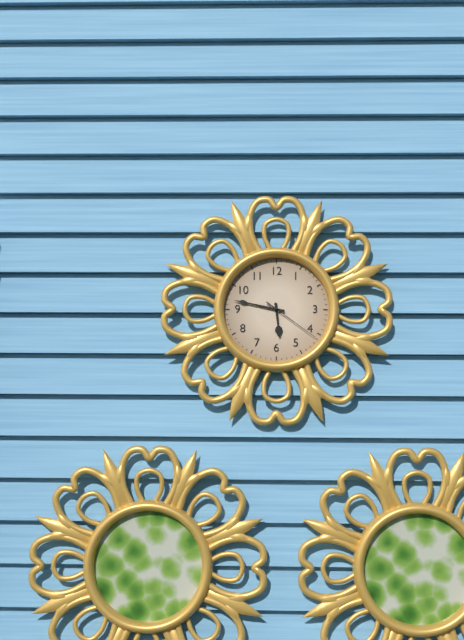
5:47:21
